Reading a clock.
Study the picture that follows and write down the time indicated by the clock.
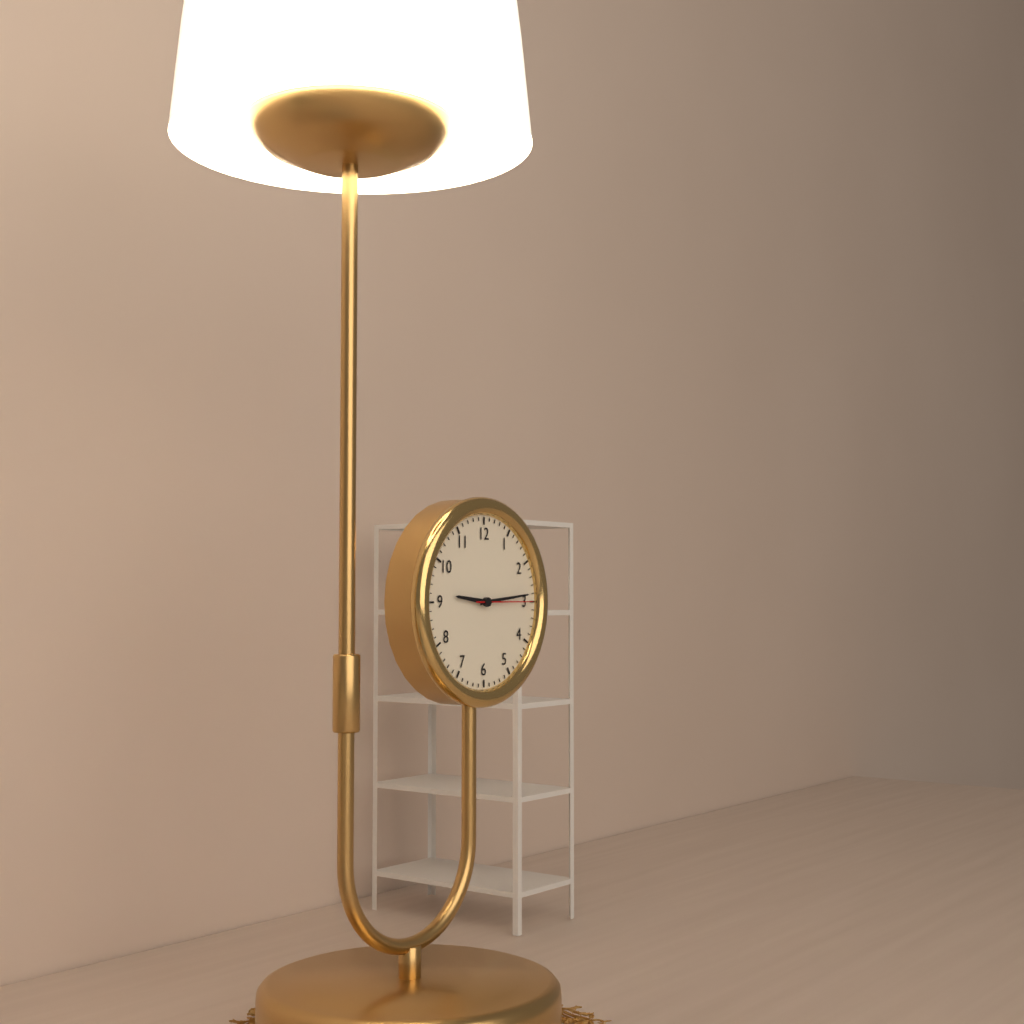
9:14:15
